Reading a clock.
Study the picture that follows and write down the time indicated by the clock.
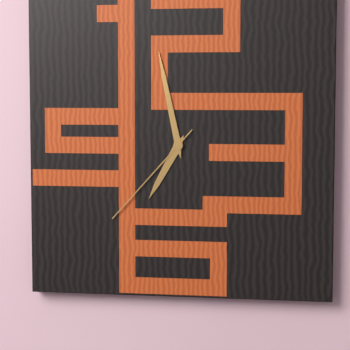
6:58:37
